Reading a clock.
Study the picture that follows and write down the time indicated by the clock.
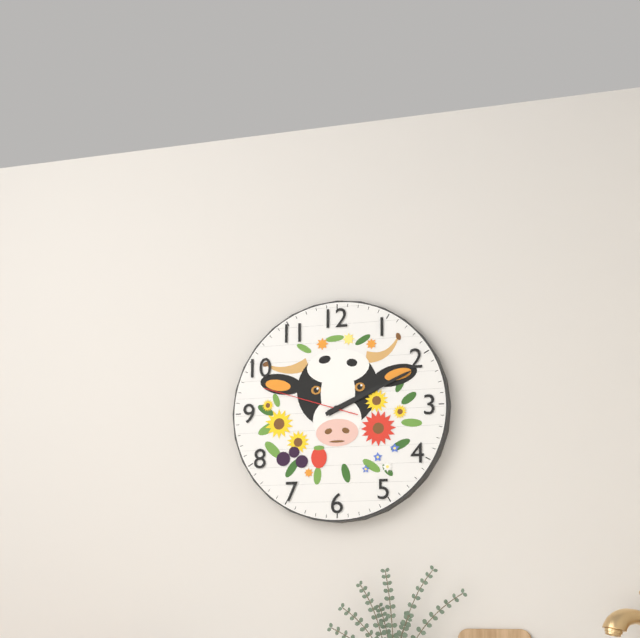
2:11:48
